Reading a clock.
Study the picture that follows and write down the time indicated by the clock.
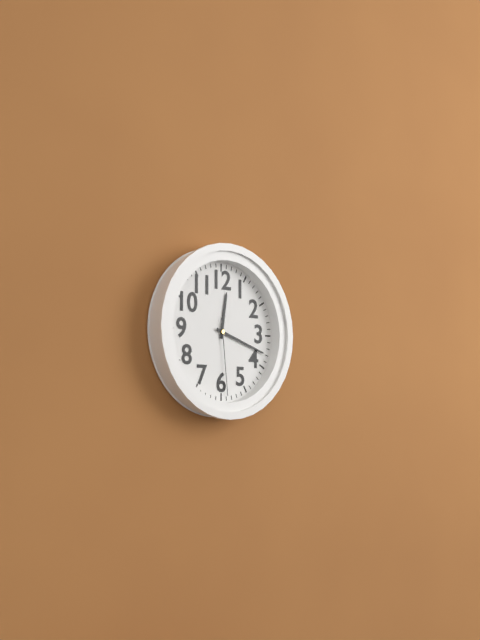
12:18:29
